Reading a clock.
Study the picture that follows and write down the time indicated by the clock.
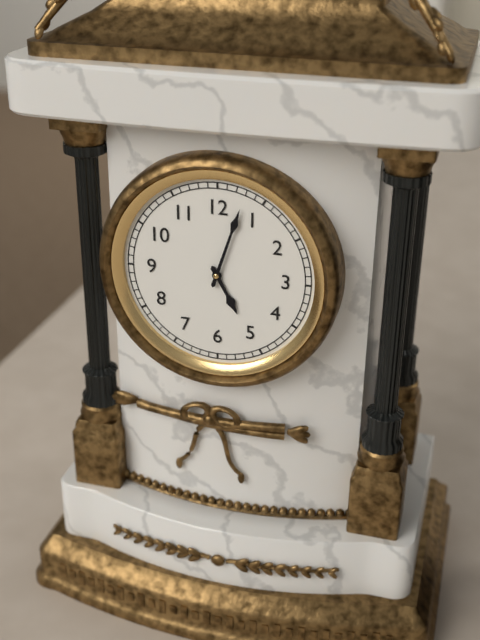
5:03
